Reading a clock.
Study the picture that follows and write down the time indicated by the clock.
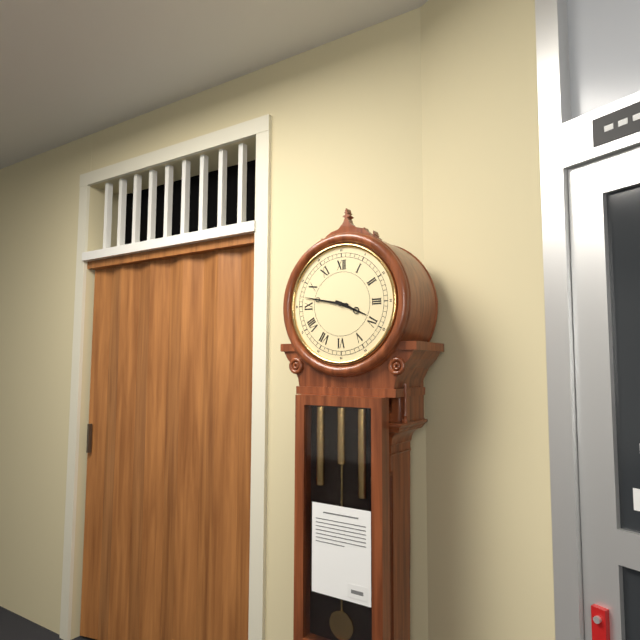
3:47
